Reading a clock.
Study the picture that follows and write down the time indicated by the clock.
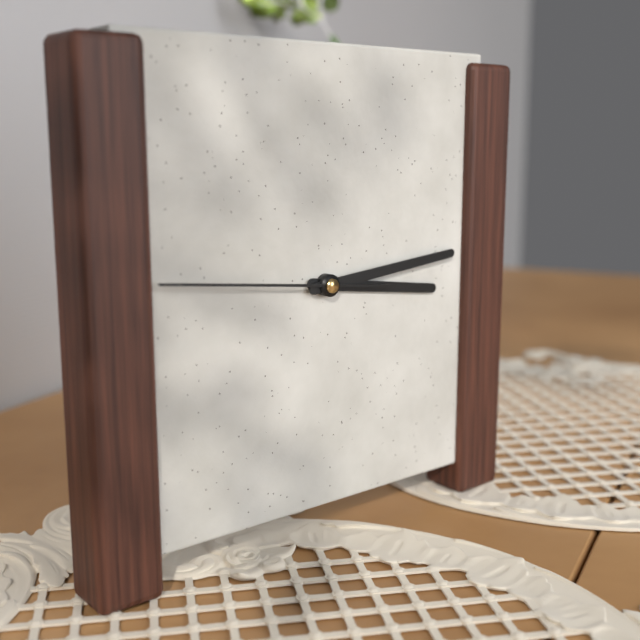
3:14:46
